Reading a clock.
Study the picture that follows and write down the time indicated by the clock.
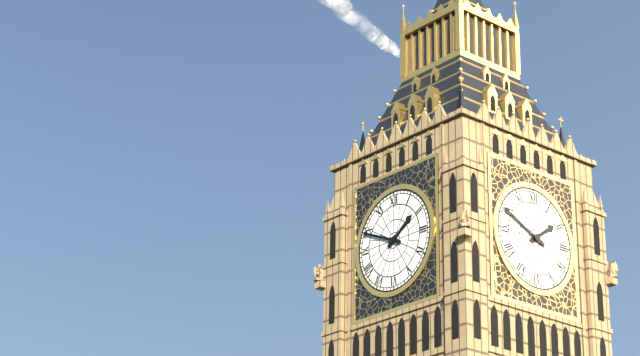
1:49
